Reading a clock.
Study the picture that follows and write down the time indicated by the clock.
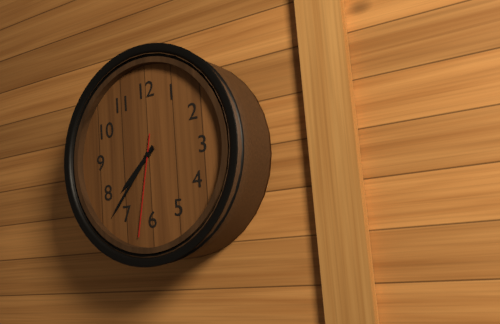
7:37:32
